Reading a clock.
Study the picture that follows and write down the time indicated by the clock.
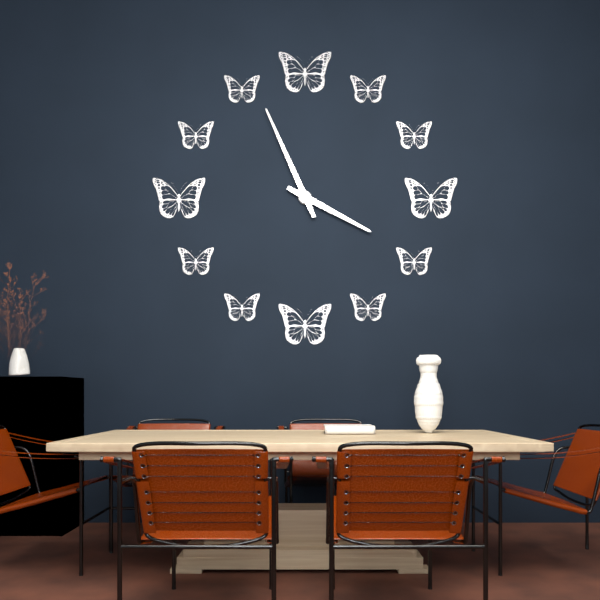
3:56
